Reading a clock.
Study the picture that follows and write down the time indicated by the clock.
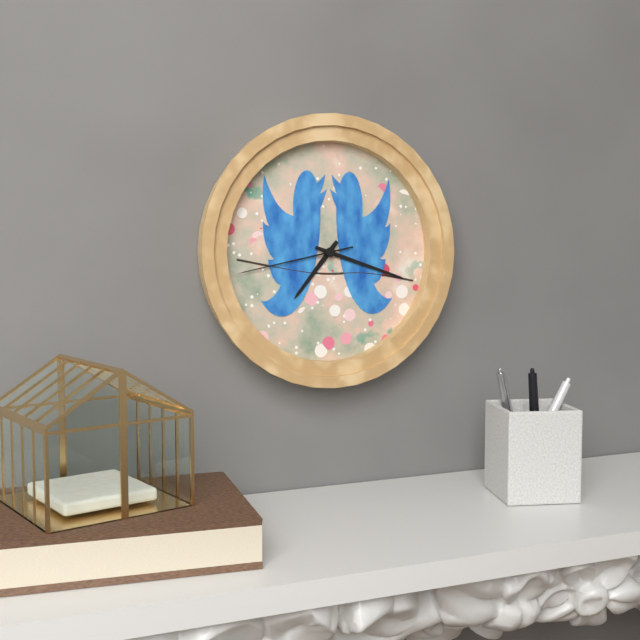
7:18:43
